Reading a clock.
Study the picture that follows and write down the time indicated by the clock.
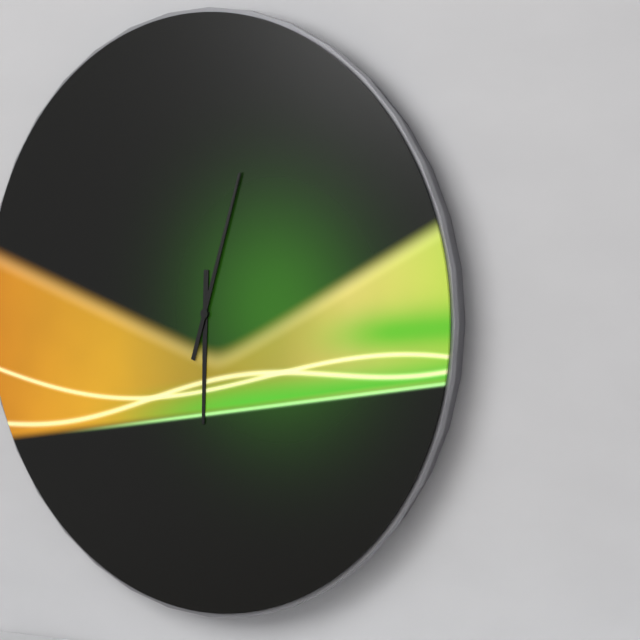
6:03
